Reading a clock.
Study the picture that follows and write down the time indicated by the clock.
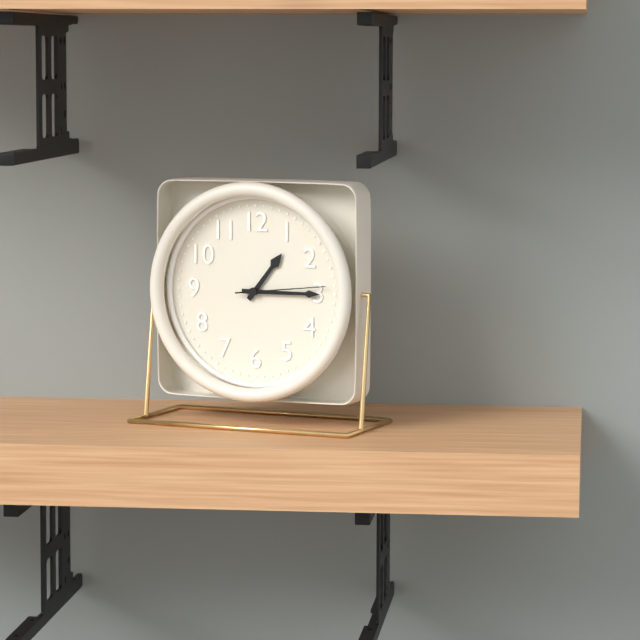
1:15:14
